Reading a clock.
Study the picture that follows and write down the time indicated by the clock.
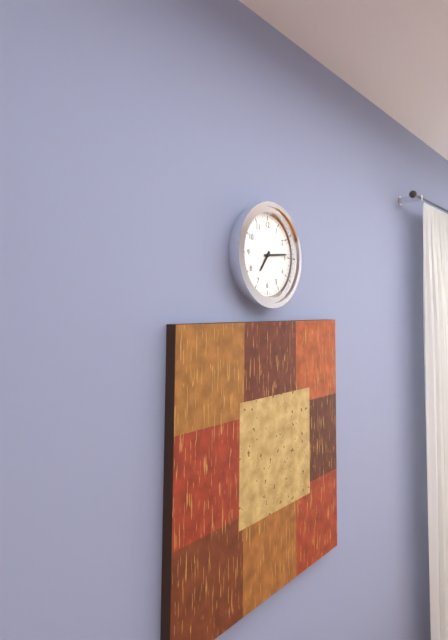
7:14
